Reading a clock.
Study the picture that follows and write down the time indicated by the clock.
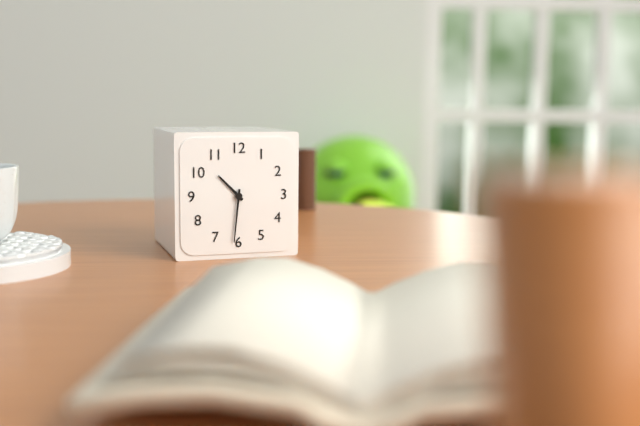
10:31
